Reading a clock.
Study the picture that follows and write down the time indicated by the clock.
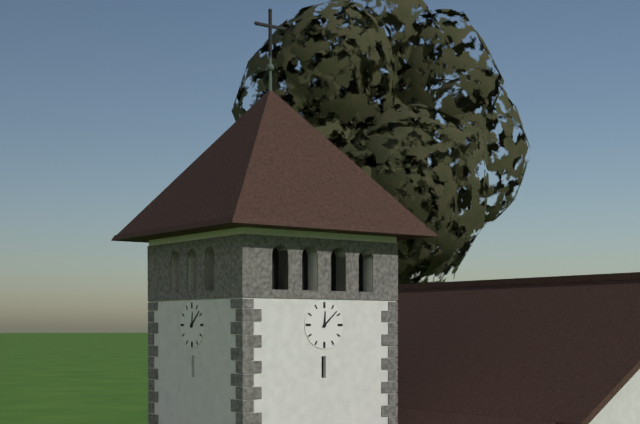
12:08
